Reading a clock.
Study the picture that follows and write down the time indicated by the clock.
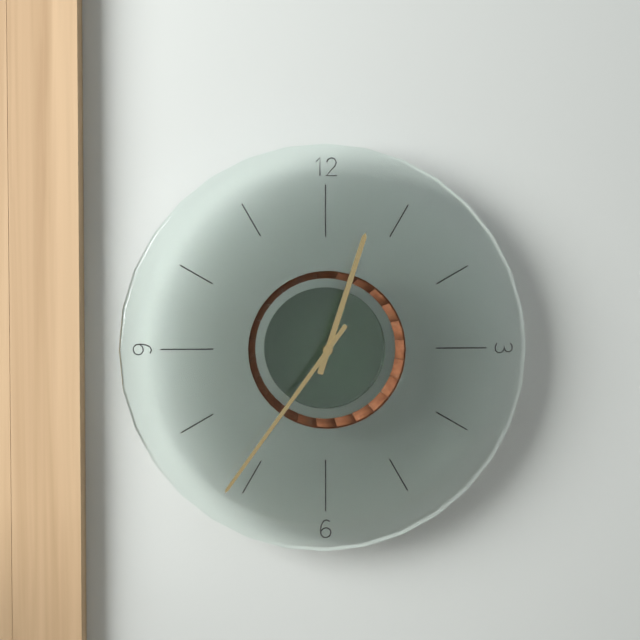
12:36
